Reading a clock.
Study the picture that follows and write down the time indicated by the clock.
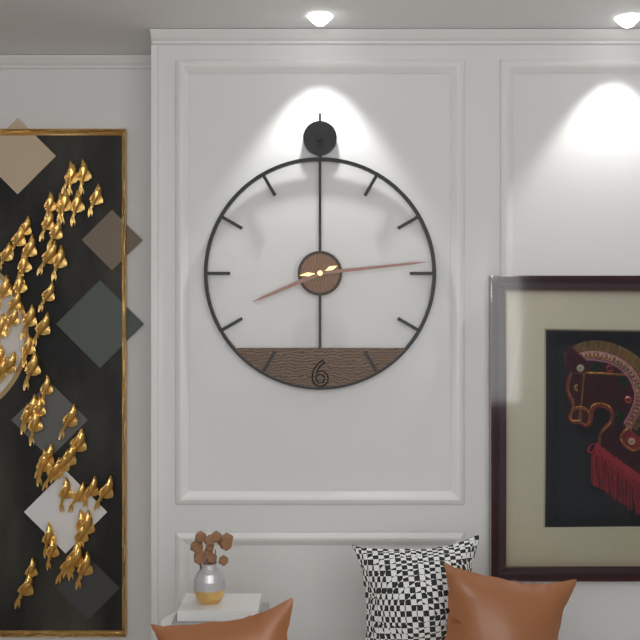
8:14
